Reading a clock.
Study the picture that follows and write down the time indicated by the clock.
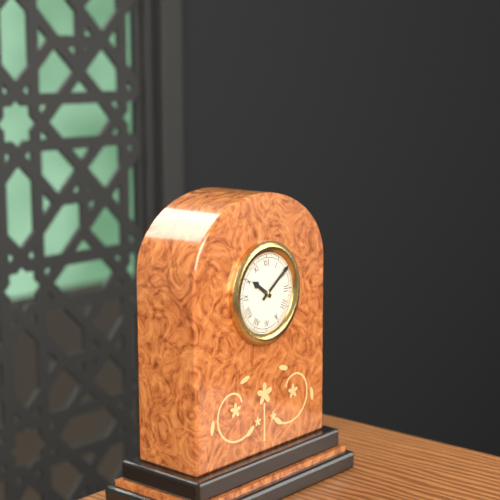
10:09
